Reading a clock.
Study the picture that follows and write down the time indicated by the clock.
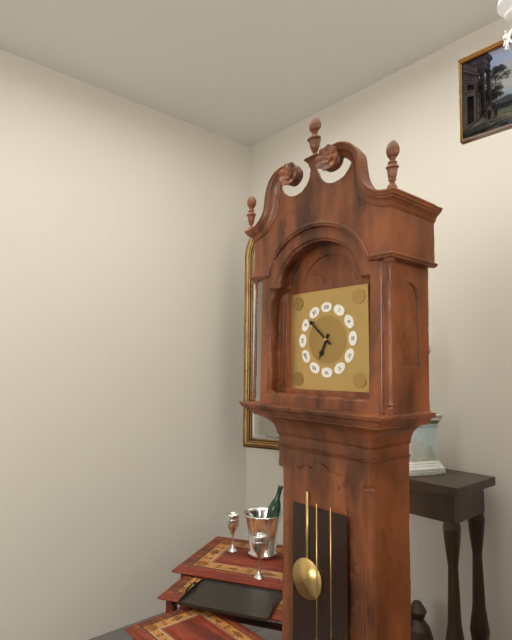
6:52
